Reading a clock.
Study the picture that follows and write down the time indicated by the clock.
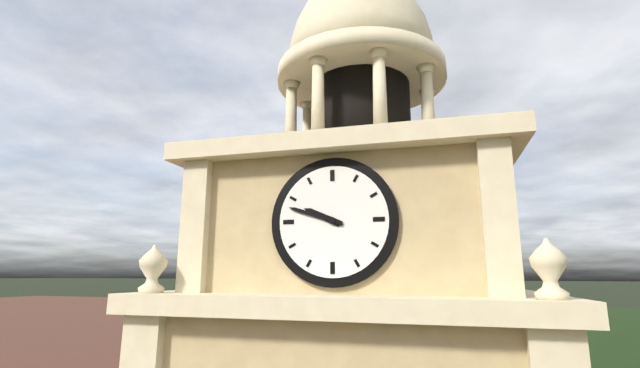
9:48
